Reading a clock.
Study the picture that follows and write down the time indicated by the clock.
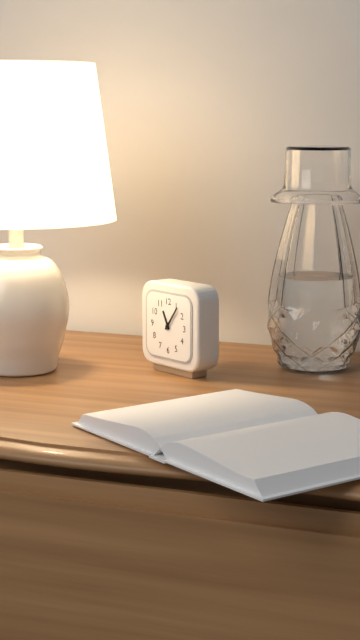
11:06
